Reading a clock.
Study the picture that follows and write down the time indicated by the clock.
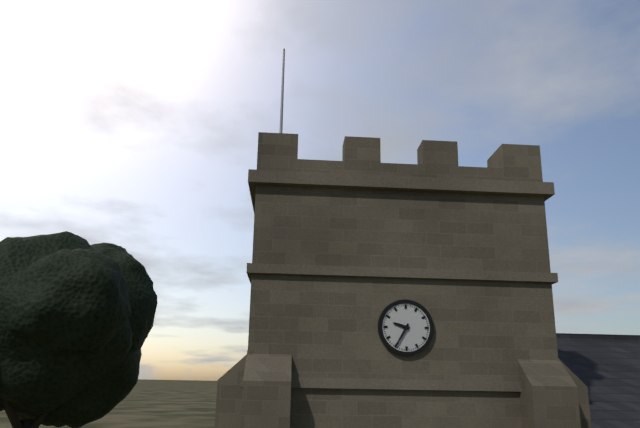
9:35
